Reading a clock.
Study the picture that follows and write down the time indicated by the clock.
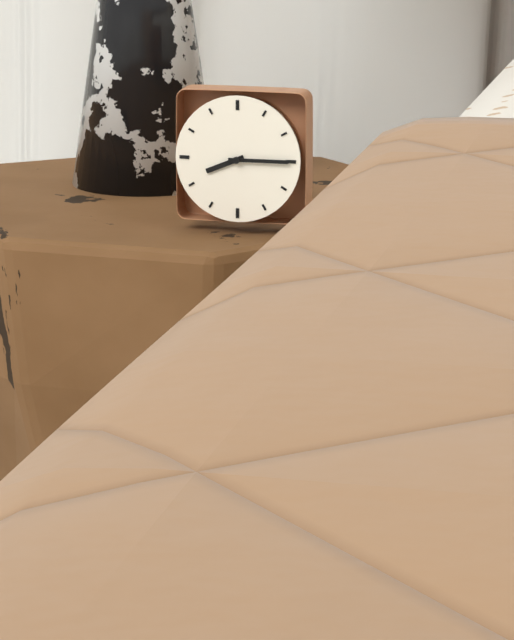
8:15
